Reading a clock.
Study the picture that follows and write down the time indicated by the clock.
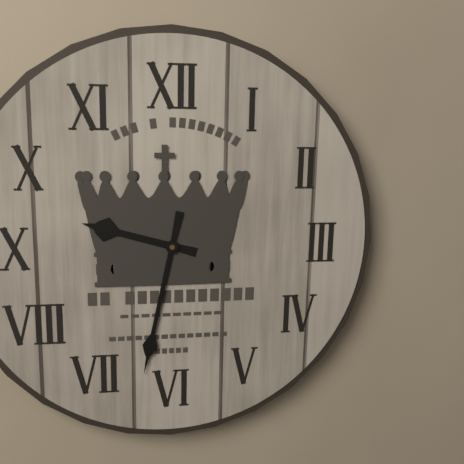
9:32
